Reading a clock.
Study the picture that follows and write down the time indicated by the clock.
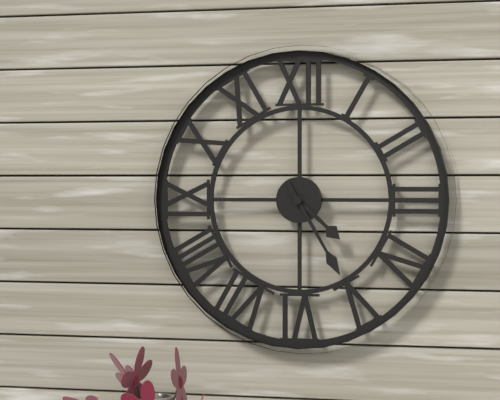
4:25
